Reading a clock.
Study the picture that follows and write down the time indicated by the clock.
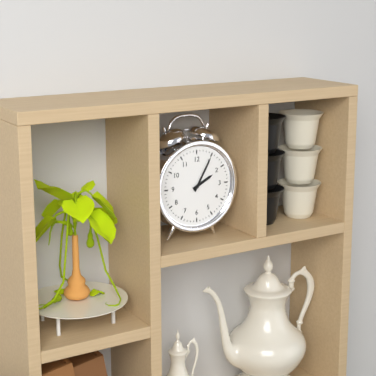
2:05
